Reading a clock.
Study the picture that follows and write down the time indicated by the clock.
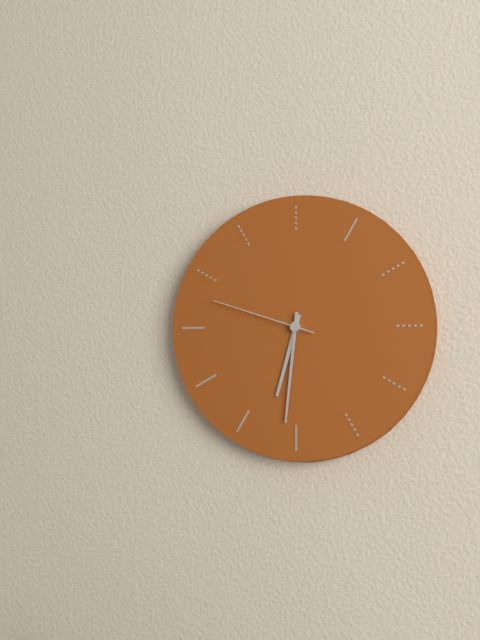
6:31:48
